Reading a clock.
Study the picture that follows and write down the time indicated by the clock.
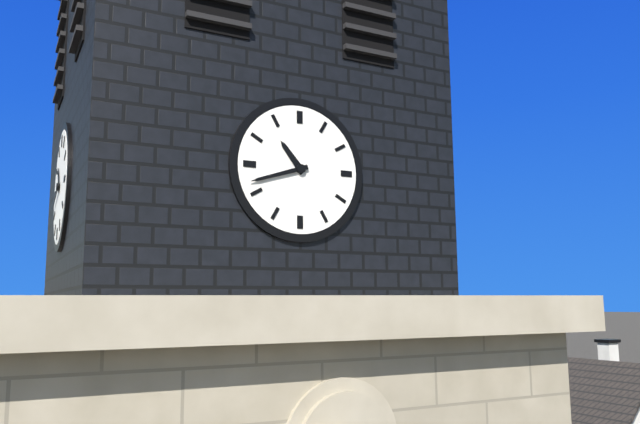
10:42
